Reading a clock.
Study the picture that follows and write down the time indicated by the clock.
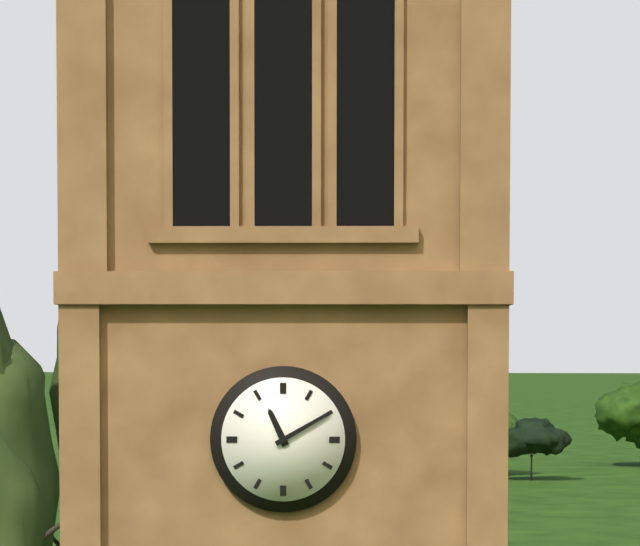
11:10
